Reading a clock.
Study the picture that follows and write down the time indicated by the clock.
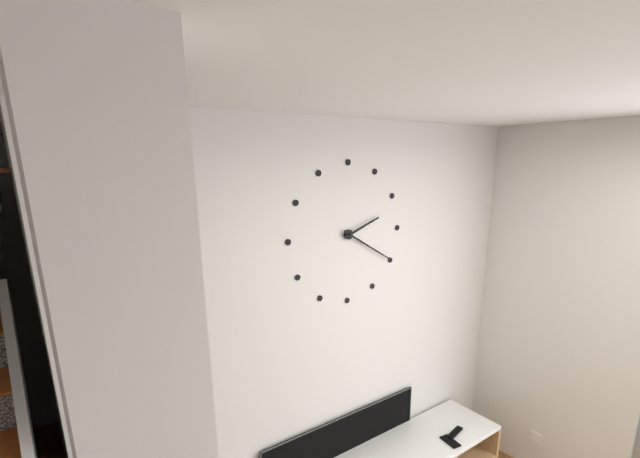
2:20
